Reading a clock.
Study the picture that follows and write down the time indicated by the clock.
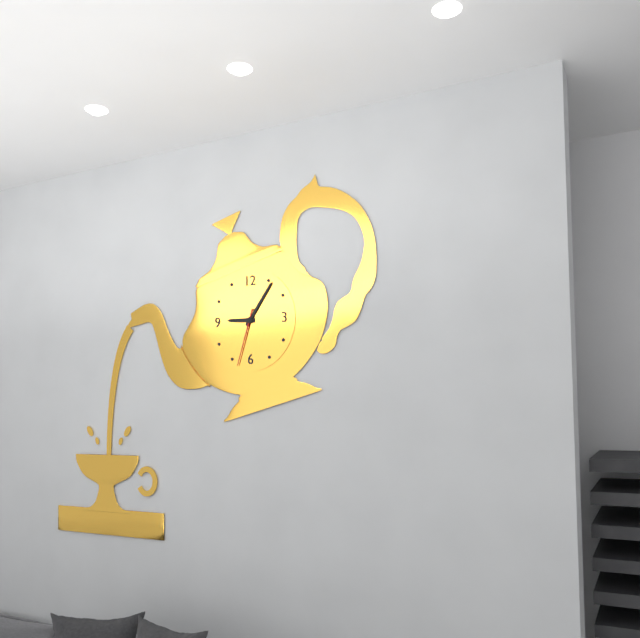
9:06:33
